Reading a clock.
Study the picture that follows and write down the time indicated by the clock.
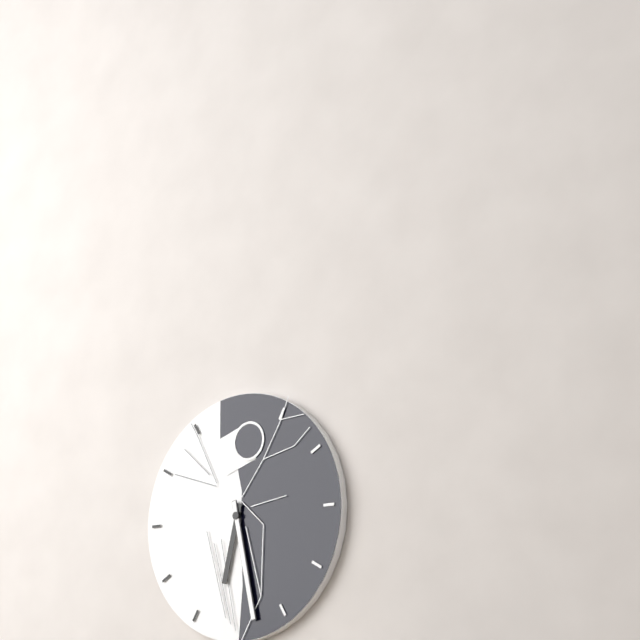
6:28
